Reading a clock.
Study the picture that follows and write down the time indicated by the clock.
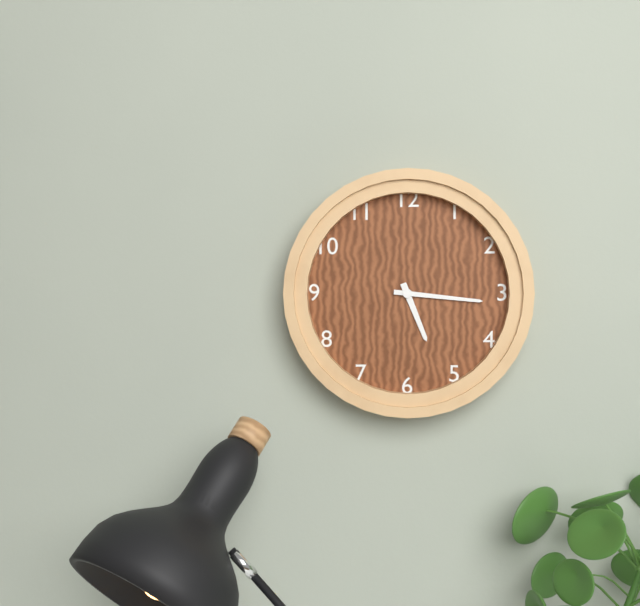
5:16
